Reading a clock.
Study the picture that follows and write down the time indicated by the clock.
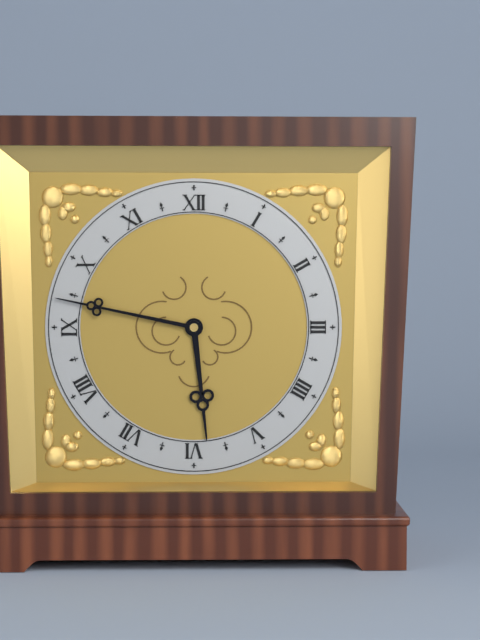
5:47
